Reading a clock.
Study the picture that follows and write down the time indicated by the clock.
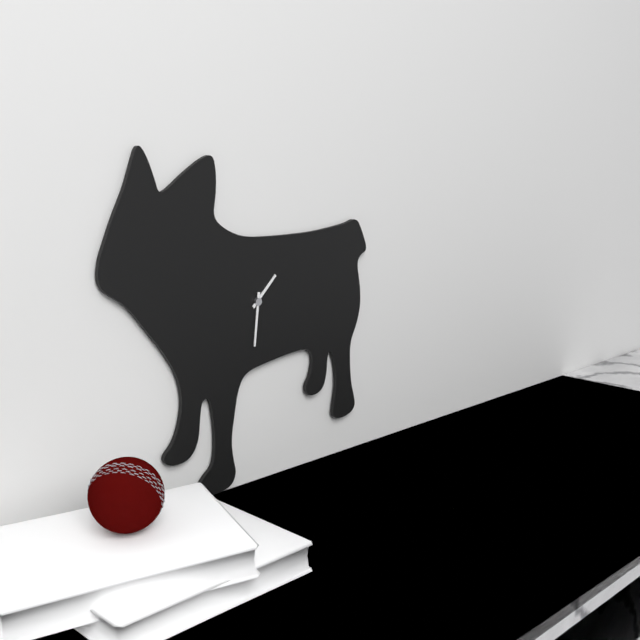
1:31
